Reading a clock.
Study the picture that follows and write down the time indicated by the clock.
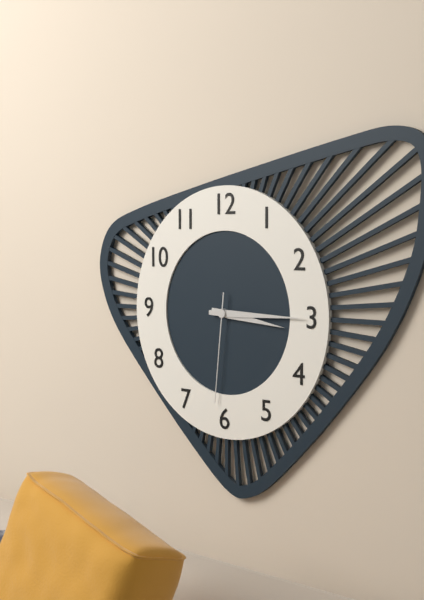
3:15:31
